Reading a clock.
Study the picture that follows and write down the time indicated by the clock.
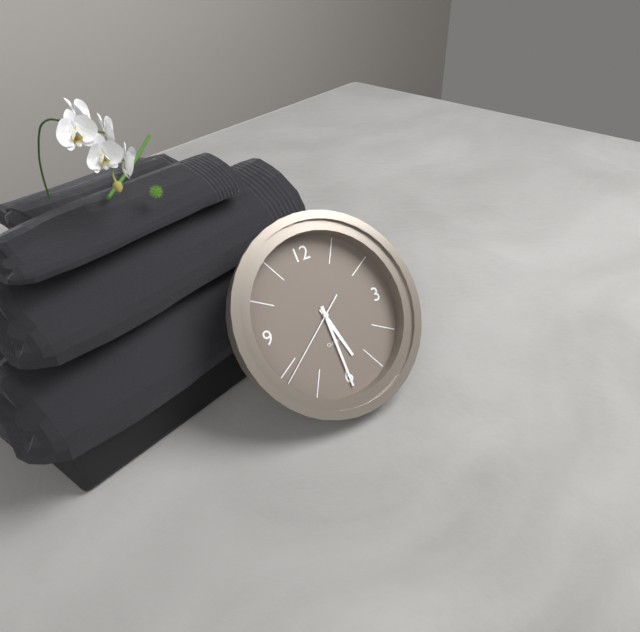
5:30:39
